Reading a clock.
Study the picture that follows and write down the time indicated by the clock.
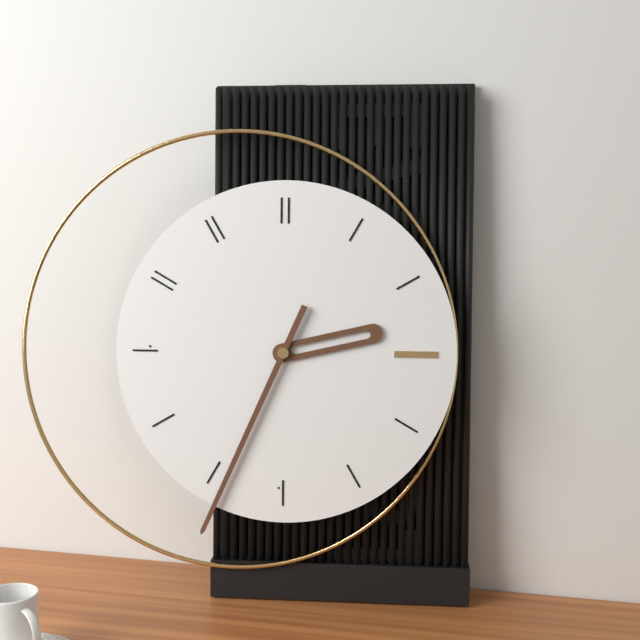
2:34
